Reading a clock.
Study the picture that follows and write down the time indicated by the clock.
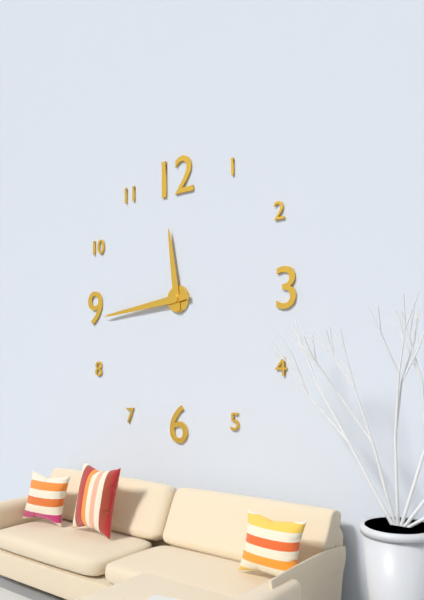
11:44
